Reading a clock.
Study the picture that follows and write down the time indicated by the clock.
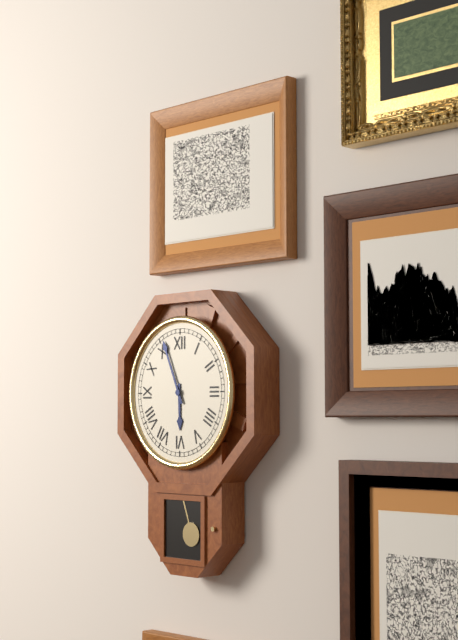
5:56
